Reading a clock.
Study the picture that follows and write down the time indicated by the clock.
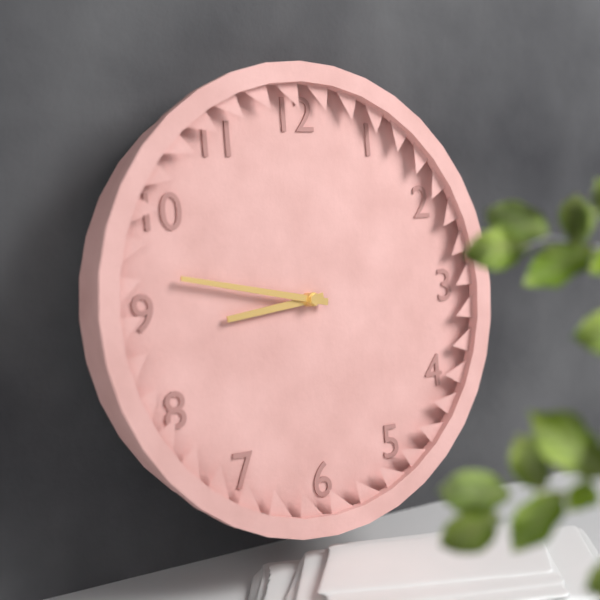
8:47
